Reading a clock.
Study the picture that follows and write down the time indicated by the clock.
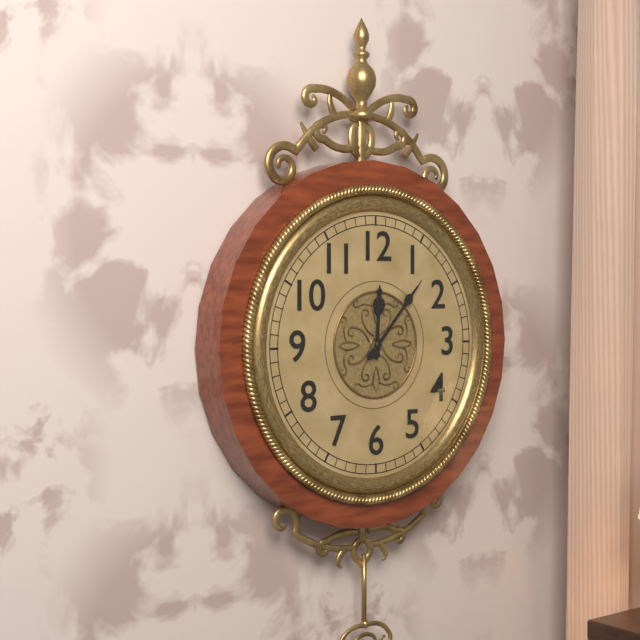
12:07
